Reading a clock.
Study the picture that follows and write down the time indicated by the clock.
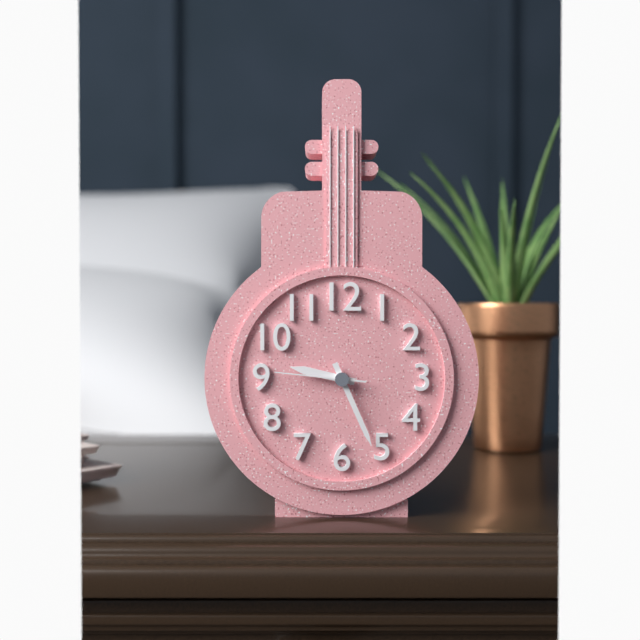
9:26:46
